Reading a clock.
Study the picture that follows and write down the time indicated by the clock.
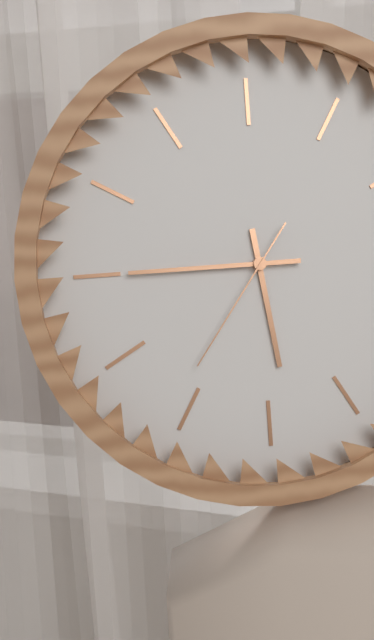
5:45:36
